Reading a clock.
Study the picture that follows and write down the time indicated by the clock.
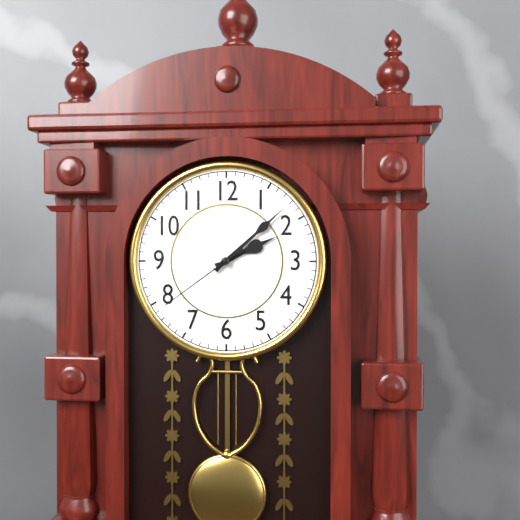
2:08:39
